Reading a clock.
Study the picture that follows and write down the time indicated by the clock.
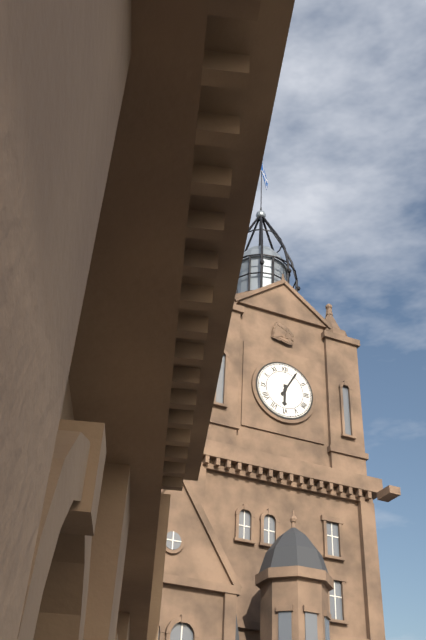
6:05
